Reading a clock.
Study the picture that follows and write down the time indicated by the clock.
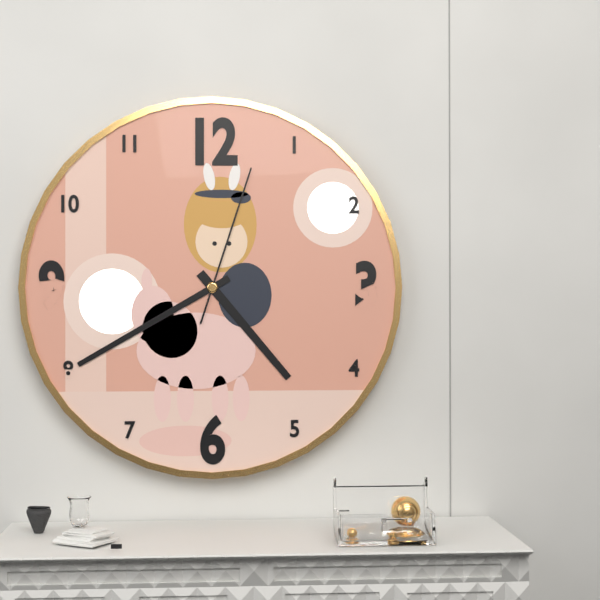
4:40:03
